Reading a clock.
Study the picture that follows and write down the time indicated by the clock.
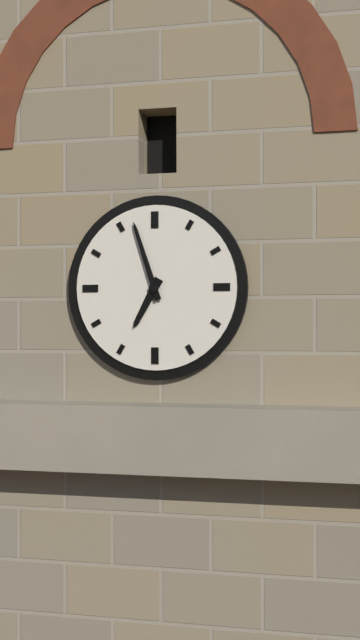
6:57
